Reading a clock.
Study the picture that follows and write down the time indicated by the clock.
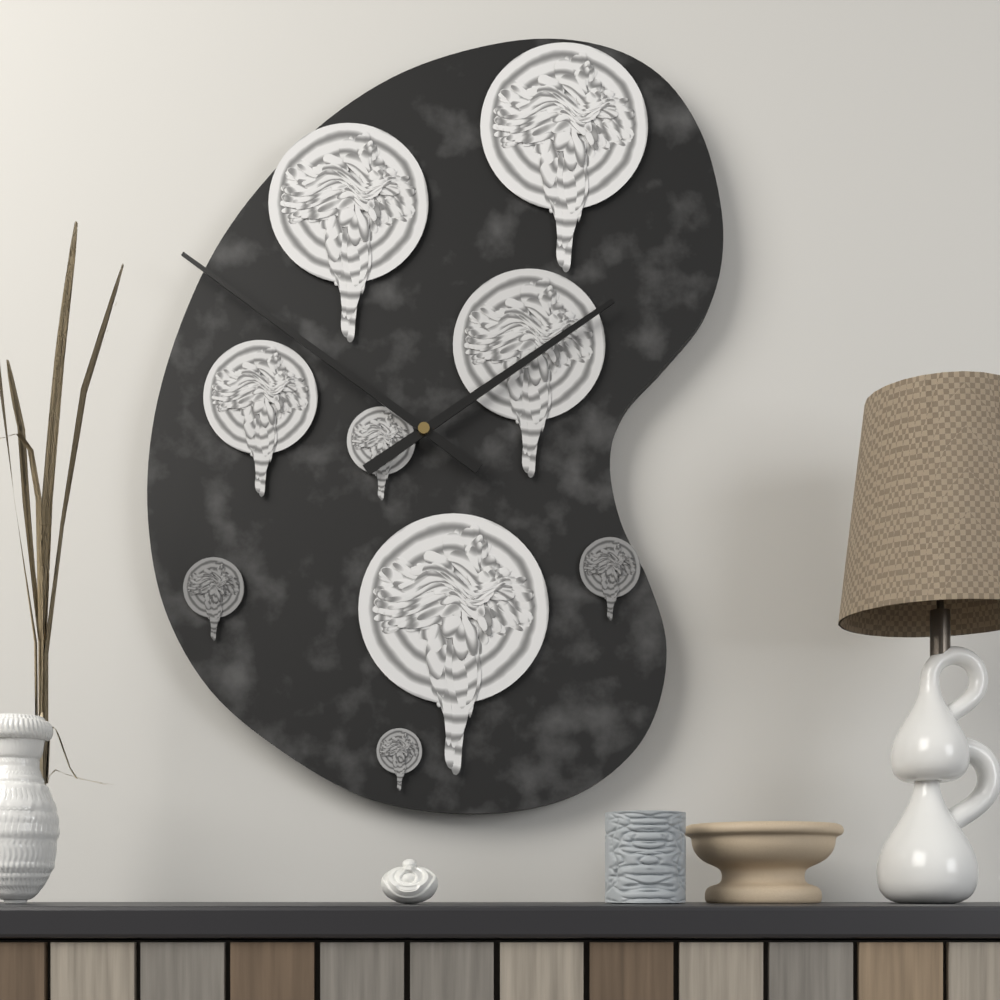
1:51
